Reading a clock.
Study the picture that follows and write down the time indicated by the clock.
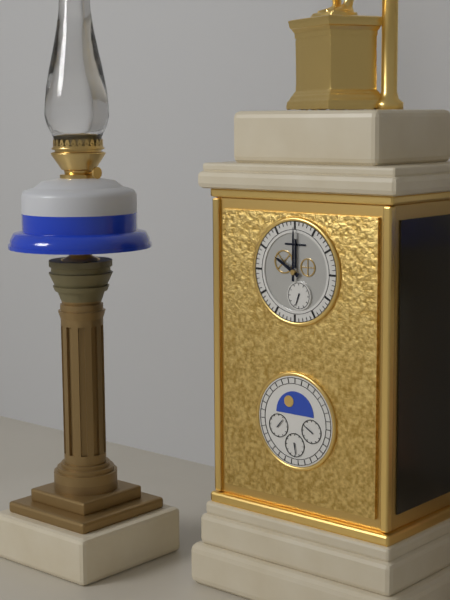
10:00
